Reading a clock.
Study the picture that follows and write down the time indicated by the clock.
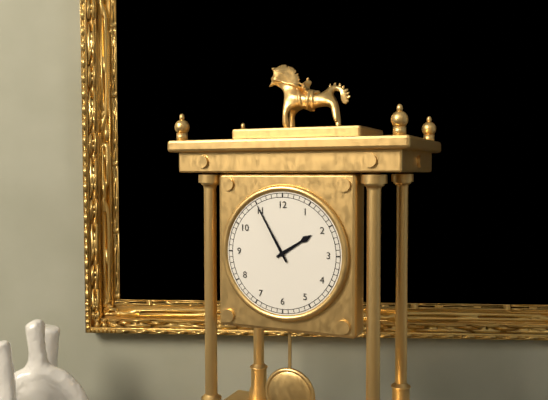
1:55
